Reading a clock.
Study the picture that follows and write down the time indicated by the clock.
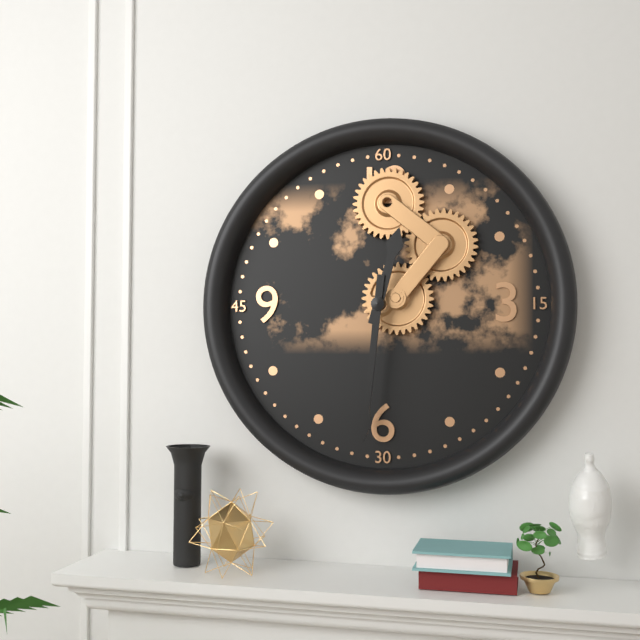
12:31
